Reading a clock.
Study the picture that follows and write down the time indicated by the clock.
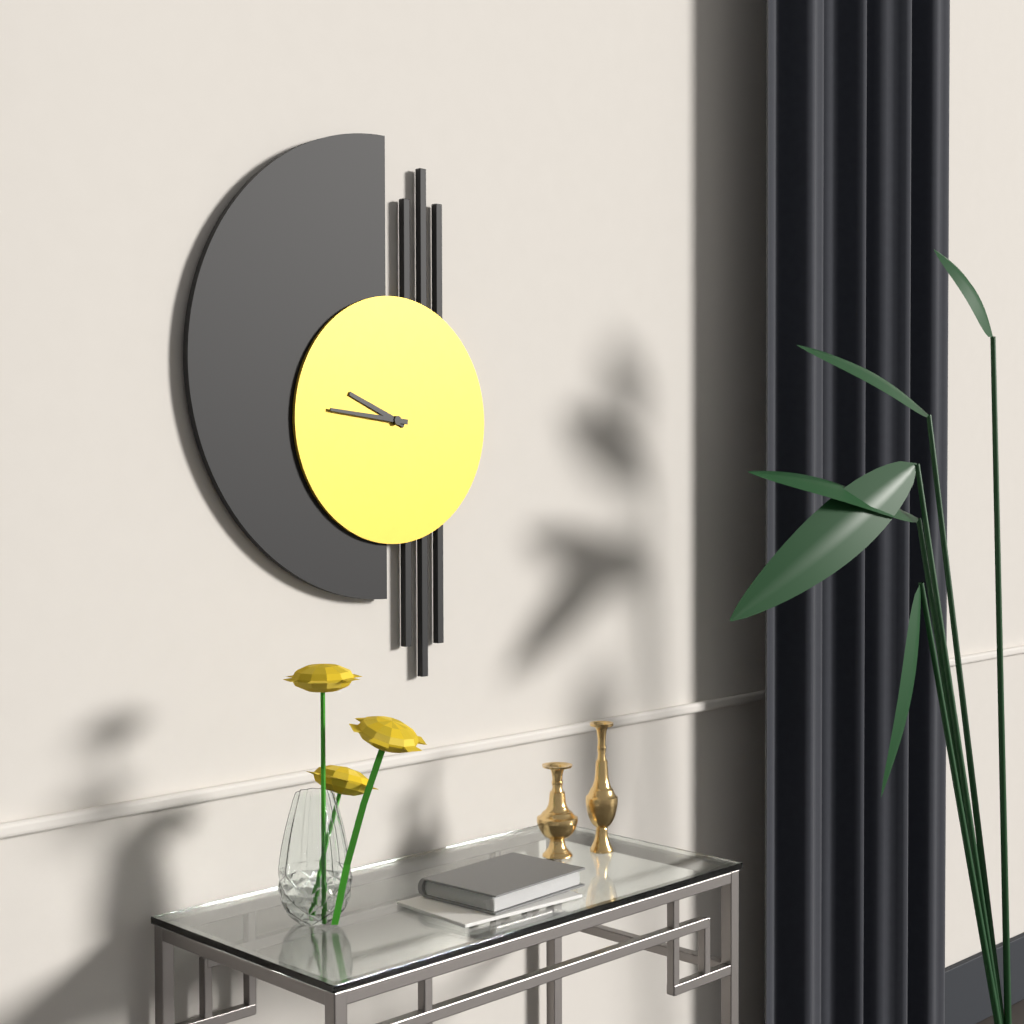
9:46
